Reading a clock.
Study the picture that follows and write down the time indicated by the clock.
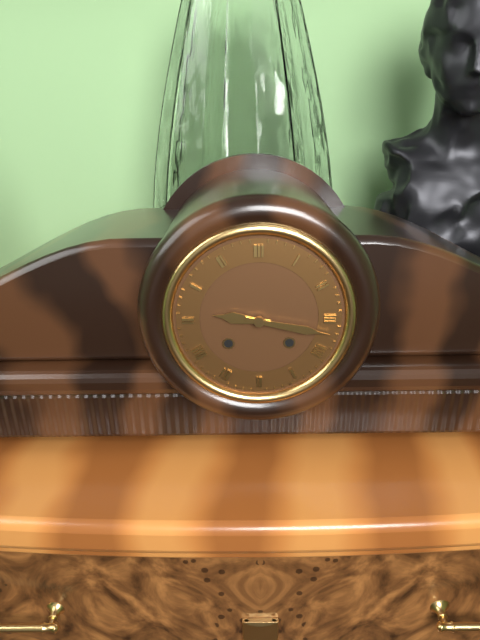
9:17
